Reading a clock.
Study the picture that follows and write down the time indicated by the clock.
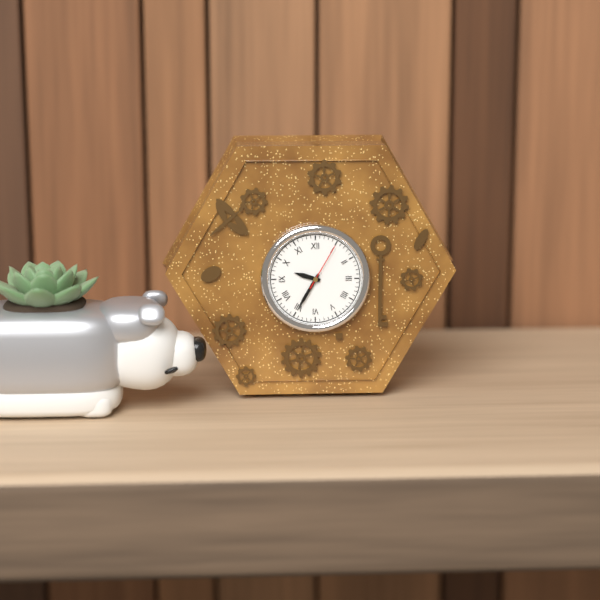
9:35
